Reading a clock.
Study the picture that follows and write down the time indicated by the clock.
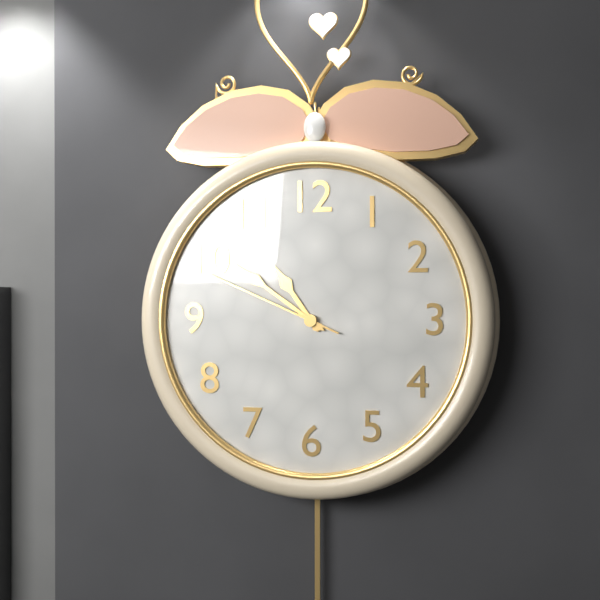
10:51:49
